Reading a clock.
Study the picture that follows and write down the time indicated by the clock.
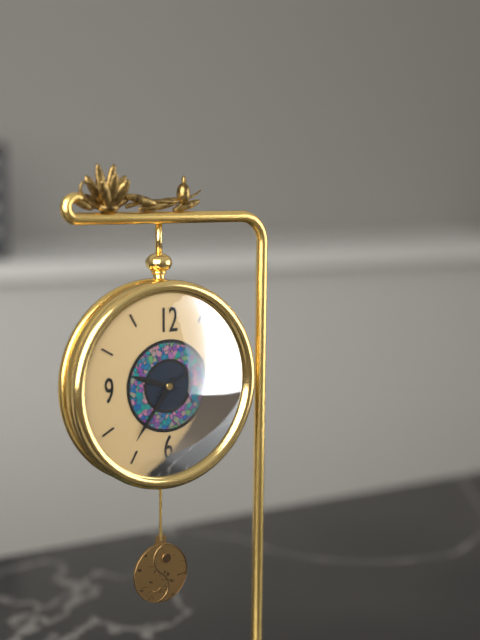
9:36:10
